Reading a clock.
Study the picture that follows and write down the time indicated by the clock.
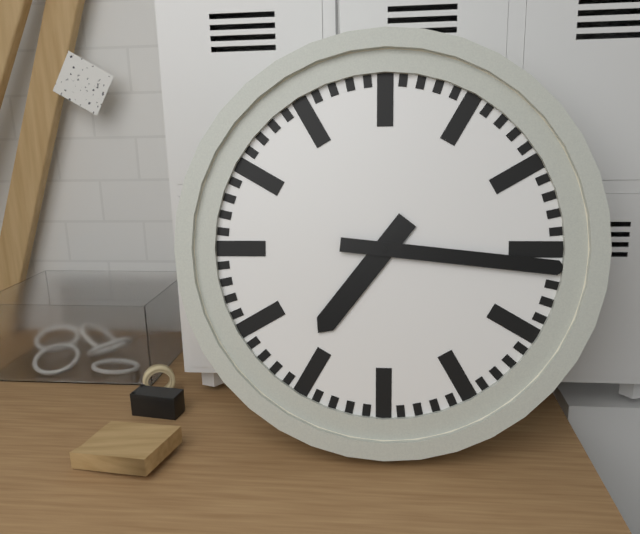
7:16
